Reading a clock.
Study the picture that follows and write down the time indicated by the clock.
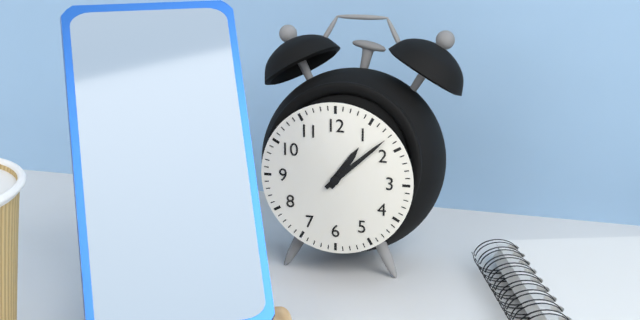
1:08
